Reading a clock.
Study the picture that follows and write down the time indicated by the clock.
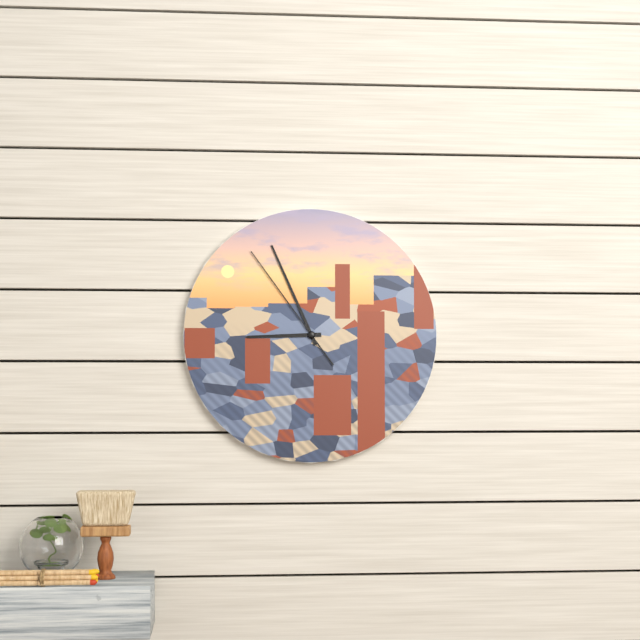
8:56:54
